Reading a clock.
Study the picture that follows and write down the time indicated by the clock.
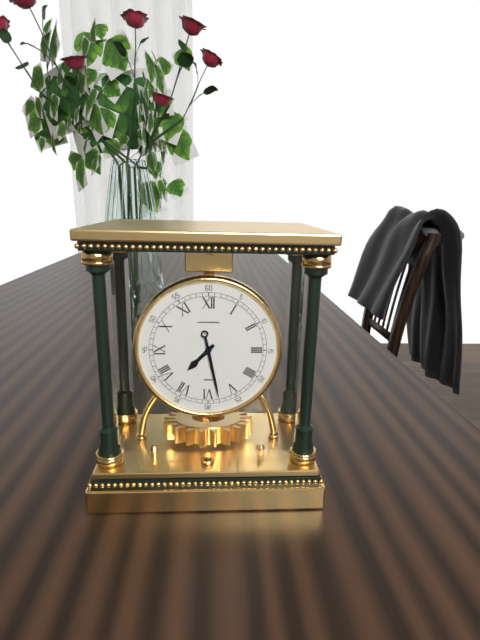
7:28
